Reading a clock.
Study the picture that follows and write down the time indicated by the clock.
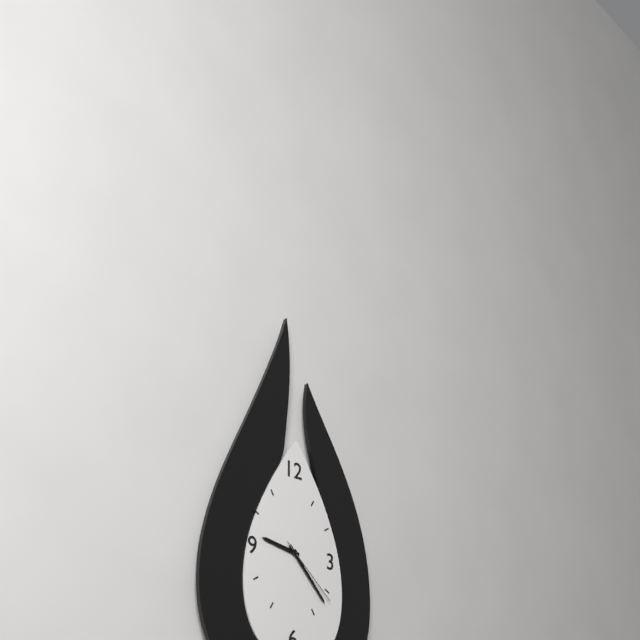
9:23:22
